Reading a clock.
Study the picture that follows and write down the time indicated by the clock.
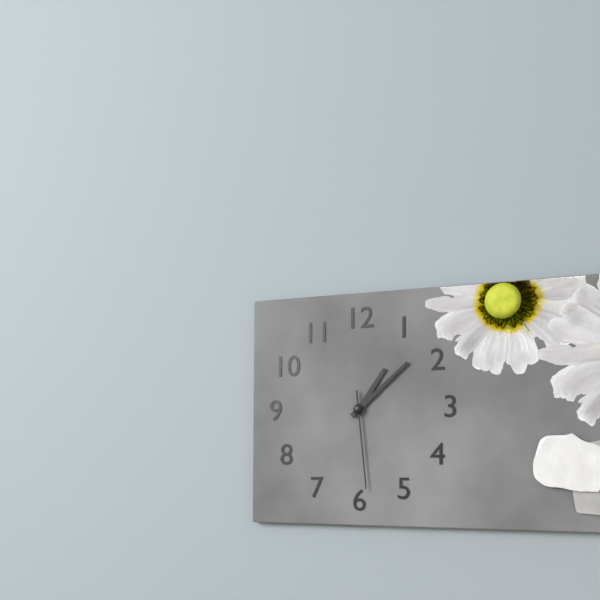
1:08:29
